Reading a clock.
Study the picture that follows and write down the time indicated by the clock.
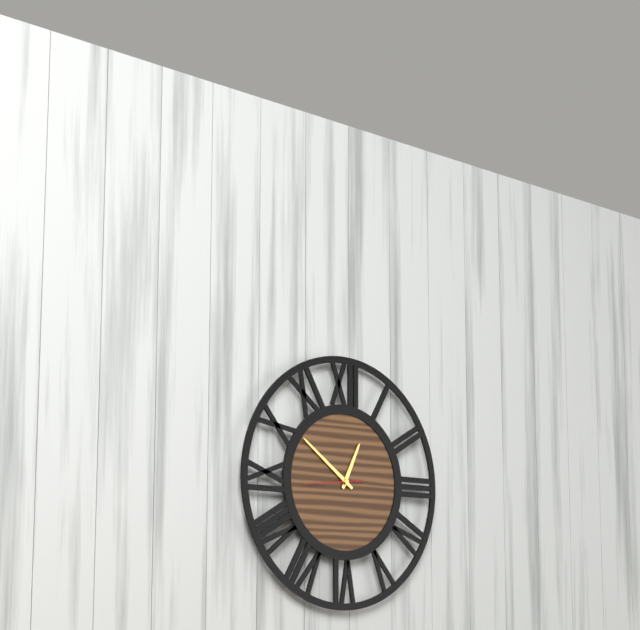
12:51
